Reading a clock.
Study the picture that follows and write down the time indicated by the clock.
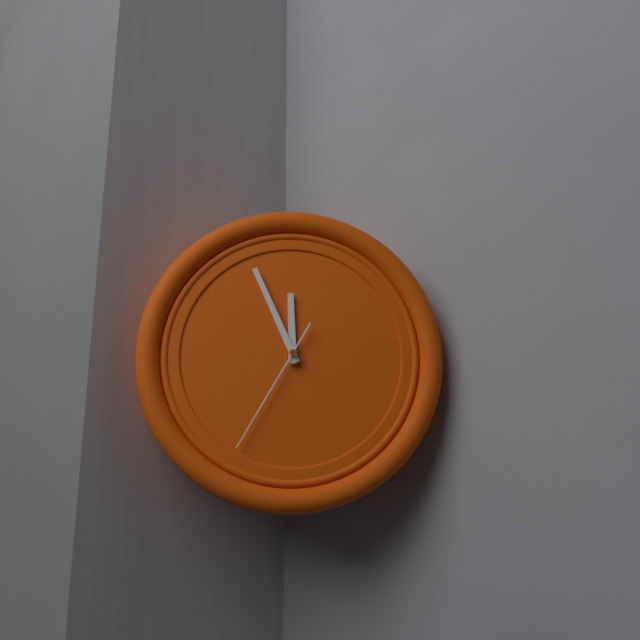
11:56:35
